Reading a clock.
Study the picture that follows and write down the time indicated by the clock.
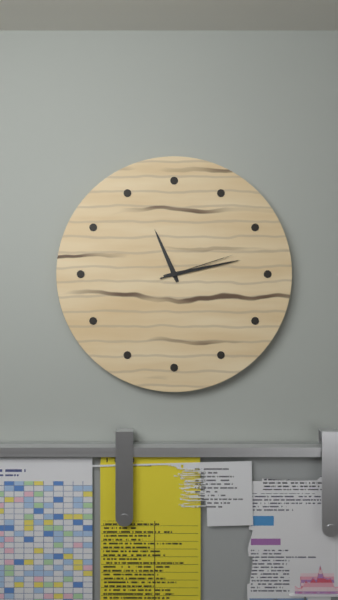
11:13:12
